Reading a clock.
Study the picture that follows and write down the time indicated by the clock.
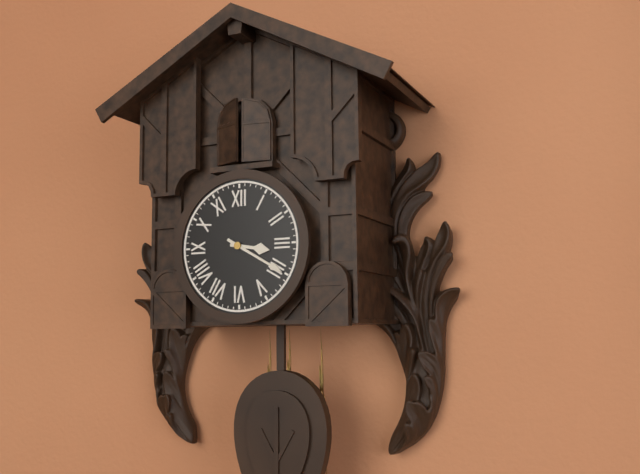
3:20
